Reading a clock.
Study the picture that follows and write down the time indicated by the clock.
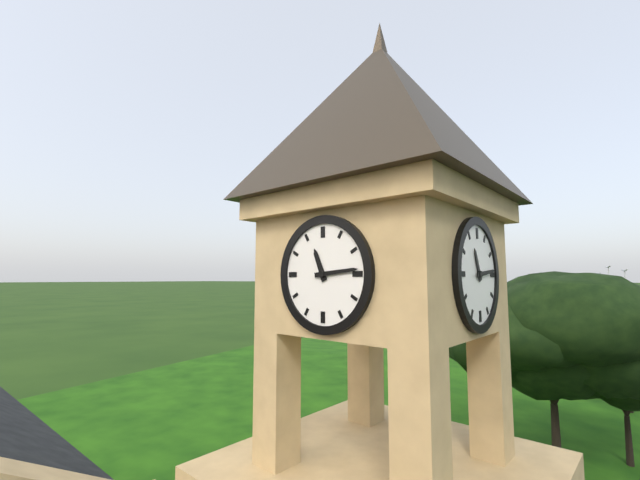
11:14
